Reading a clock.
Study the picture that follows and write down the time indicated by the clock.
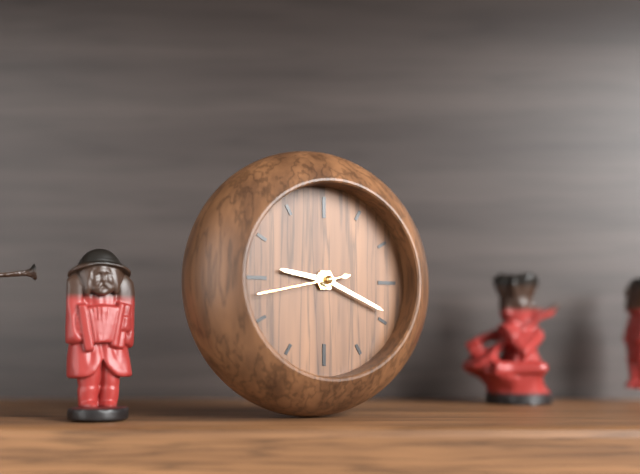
9:19:43
